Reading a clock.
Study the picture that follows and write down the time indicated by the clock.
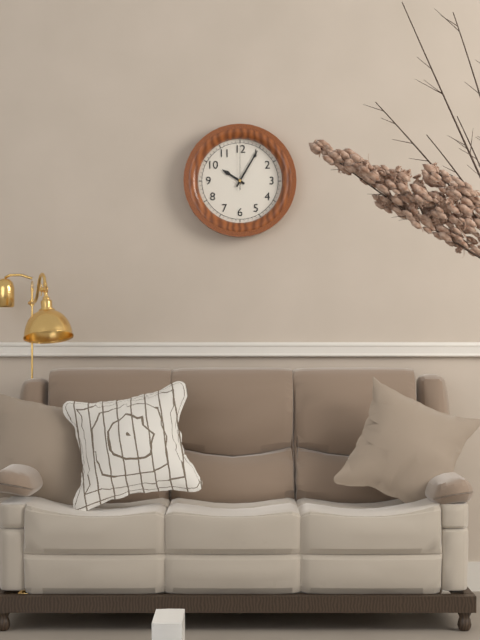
10:05
